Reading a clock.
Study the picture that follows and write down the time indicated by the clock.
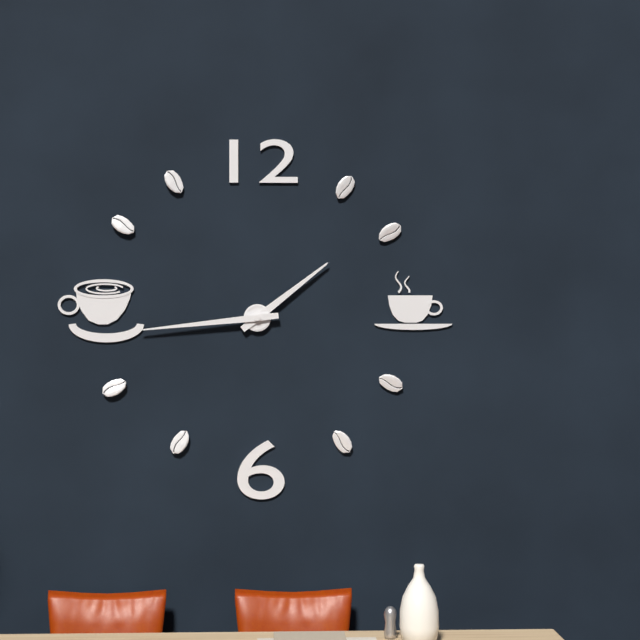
1:44
